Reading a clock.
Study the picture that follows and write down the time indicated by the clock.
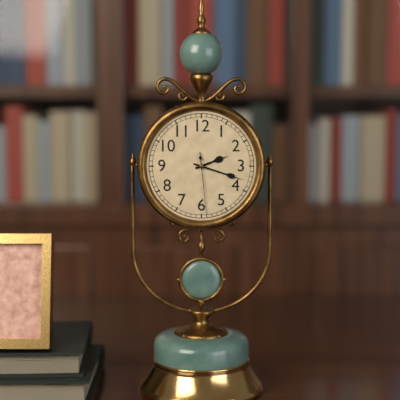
2:18:29
